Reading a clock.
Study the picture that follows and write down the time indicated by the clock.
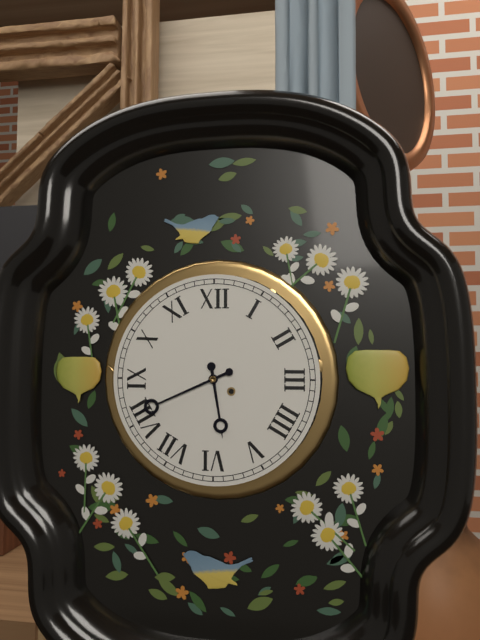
5:41
